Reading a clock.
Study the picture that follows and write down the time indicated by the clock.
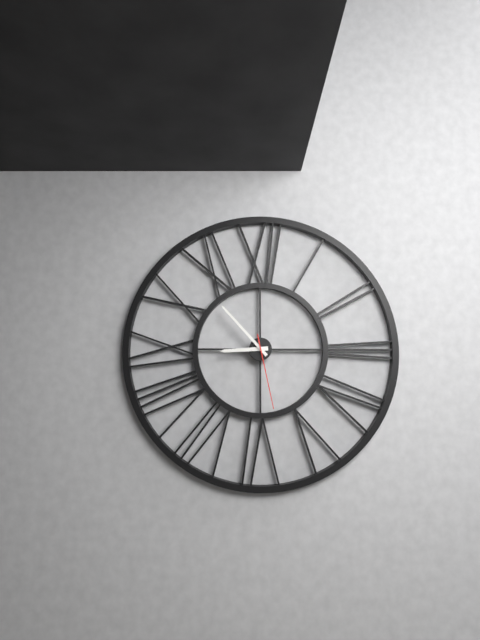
8:53:28
